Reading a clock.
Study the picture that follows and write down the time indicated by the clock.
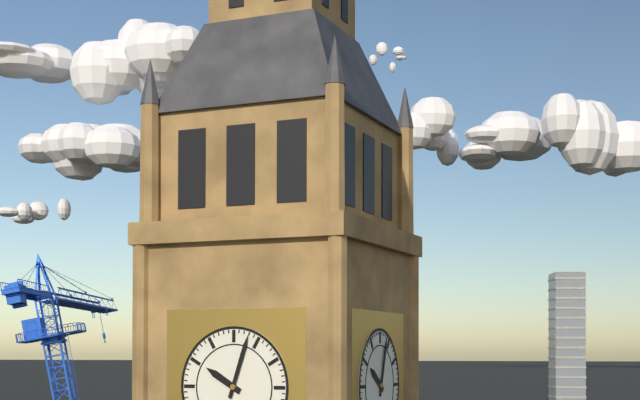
10:03
